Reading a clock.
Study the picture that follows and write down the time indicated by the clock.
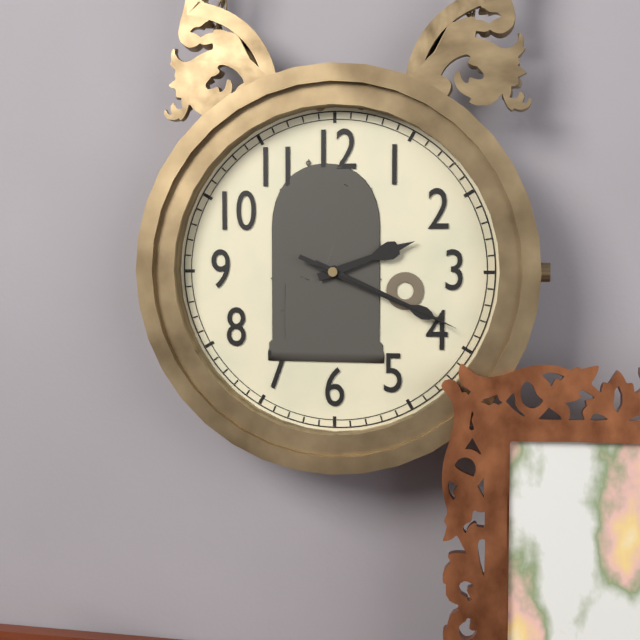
2:19:19
